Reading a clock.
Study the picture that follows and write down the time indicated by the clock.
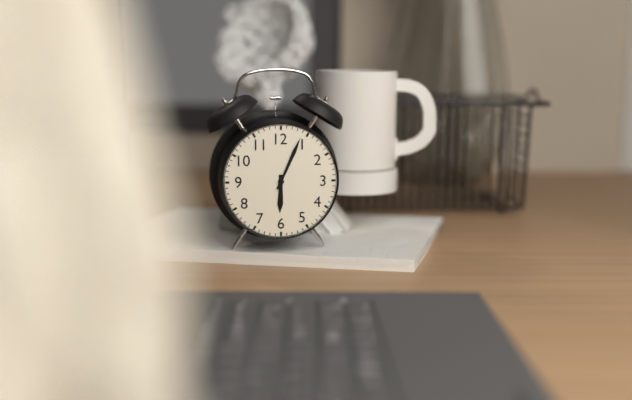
6:04
